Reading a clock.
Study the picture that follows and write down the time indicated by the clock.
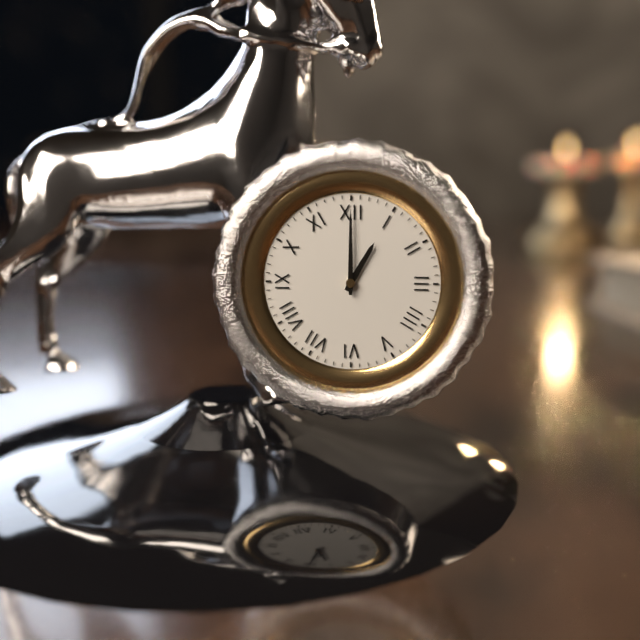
1:00
